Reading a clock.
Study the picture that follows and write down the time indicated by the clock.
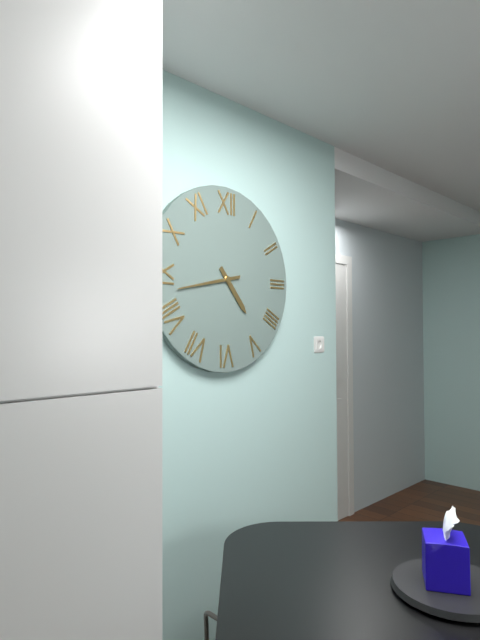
4:43
